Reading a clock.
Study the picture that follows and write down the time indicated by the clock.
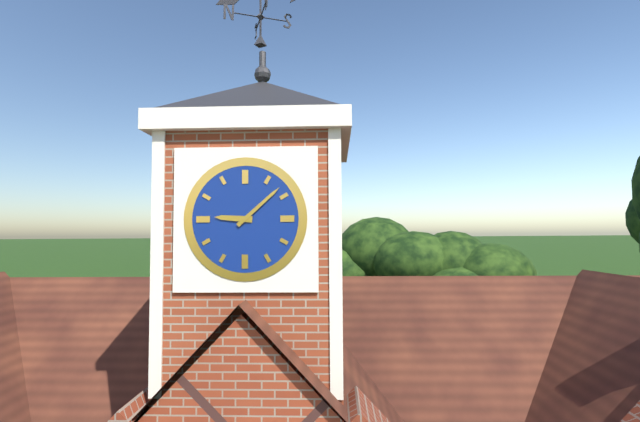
9:08
